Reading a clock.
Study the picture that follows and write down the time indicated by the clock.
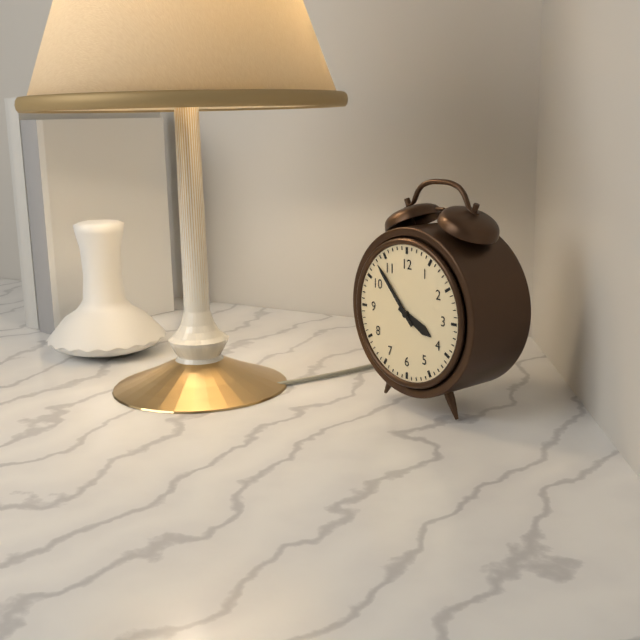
3:53
